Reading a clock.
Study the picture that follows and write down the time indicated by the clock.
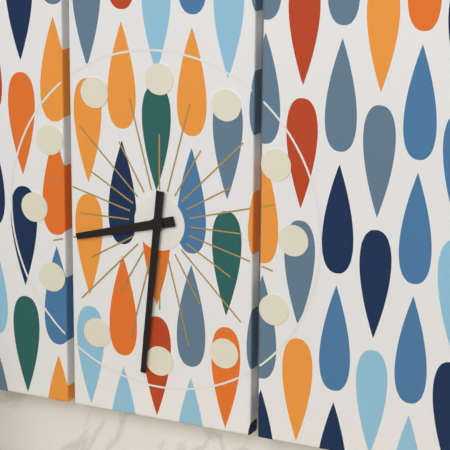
8:31
